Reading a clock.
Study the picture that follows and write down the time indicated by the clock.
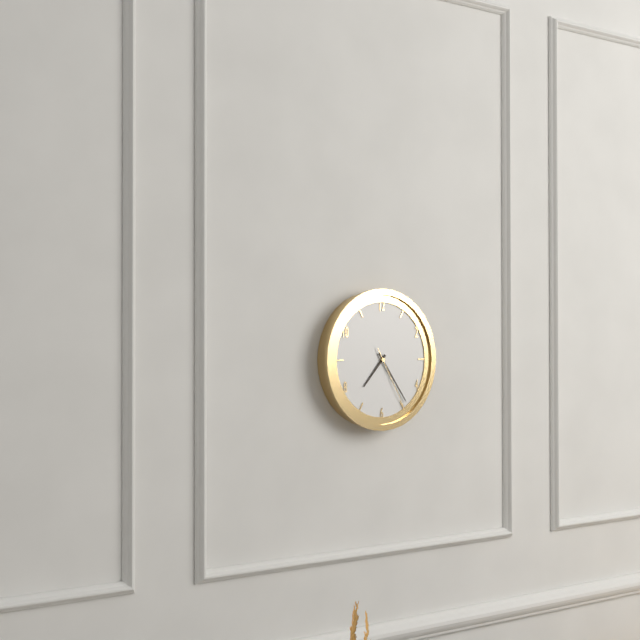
7:24:25
